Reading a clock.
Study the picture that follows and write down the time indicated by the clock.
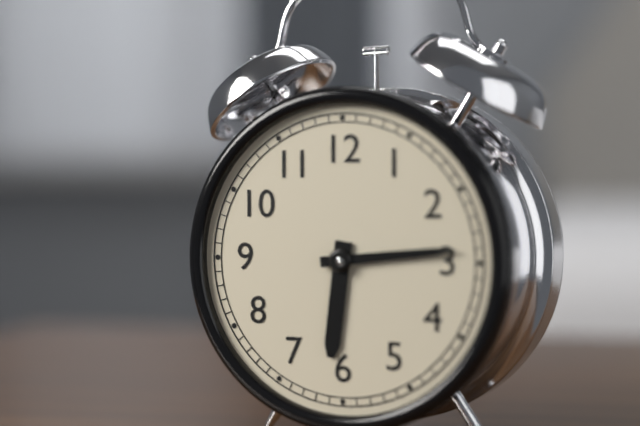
6:14
